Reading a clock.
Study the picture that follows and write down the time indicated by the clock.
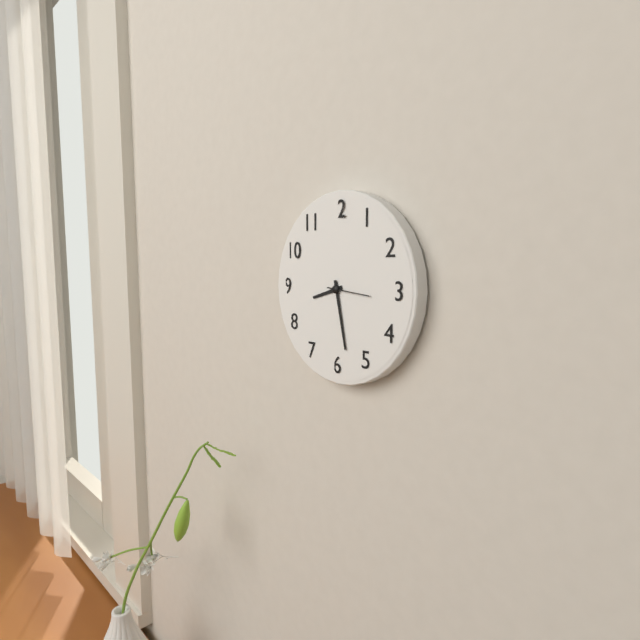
8:28
